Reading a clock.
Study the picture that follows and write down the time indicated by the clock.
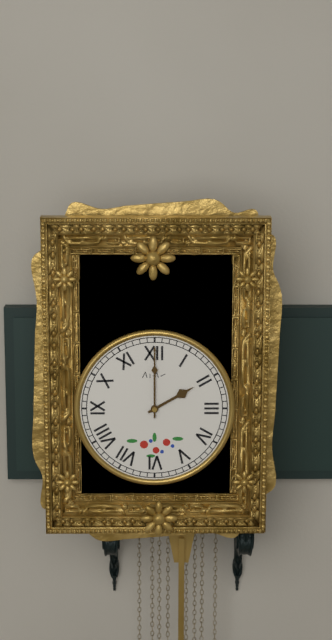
2:00
